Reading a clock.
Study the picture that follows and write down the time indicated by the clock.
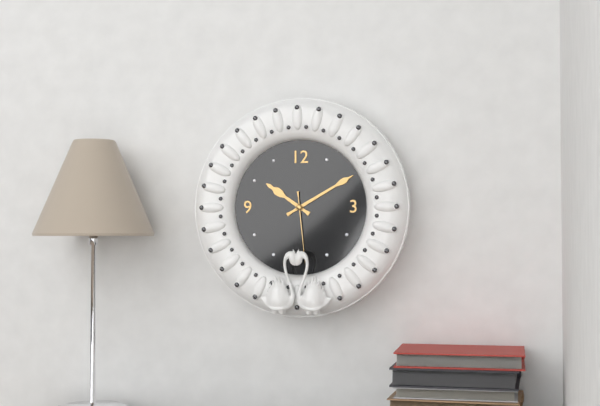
10:10:29
